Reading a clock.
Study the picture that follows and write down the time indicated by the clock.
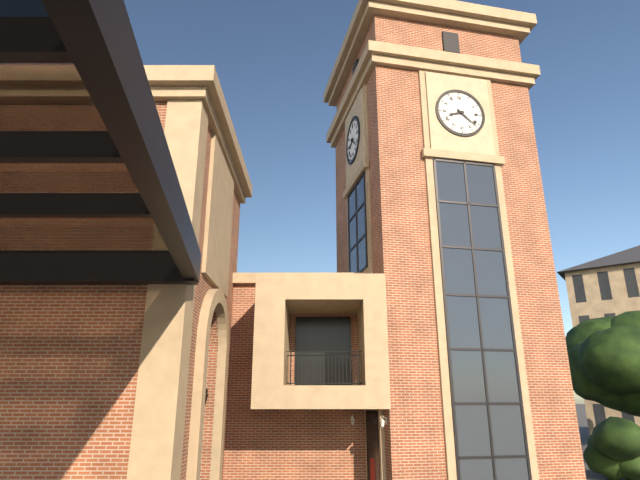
8:22
